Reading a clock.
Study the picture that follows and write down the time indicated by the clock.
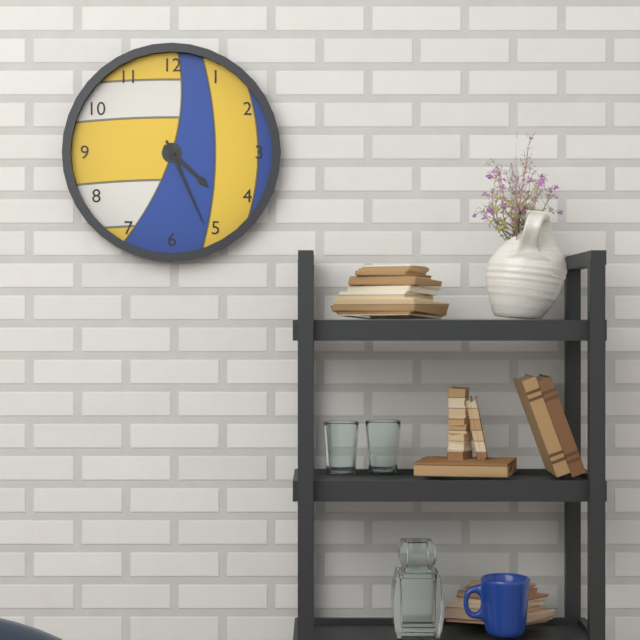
4:26
